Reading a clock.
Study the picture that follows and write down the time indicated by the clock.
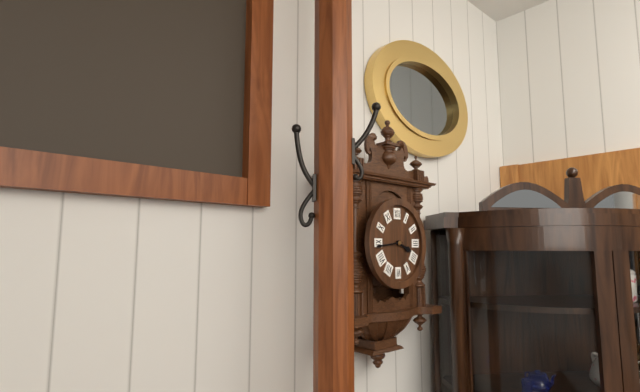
3:44
